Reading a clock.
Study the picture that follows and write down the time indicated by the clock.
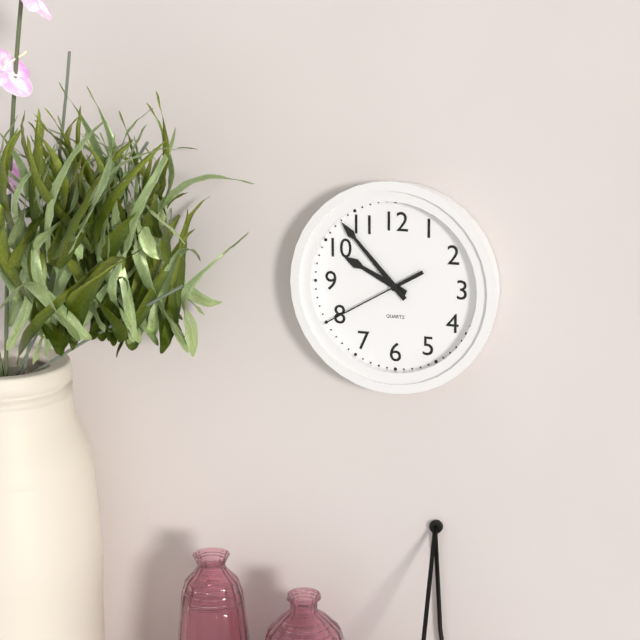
9:53:40
